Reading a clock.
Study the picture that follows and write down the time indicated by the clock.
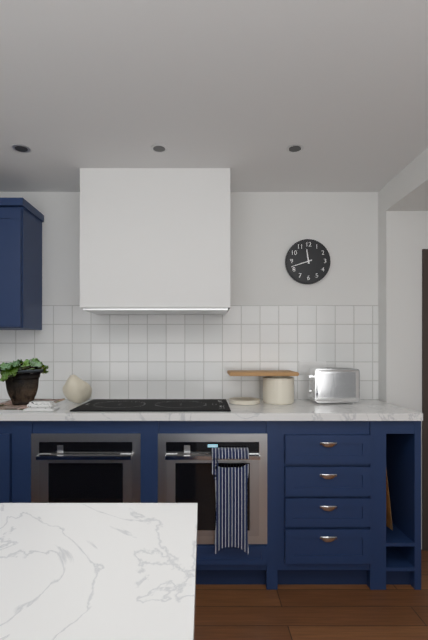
11:42
